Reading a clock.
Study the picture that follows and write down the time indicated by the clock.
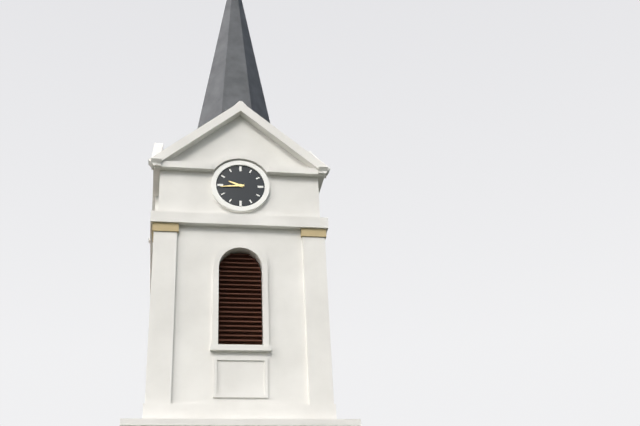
9:44
